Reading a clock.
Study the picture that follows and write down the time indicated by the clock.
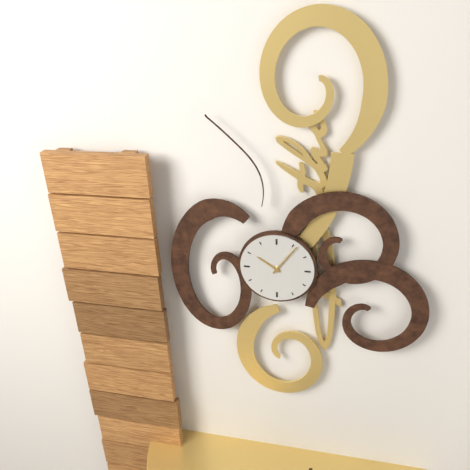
10:06
